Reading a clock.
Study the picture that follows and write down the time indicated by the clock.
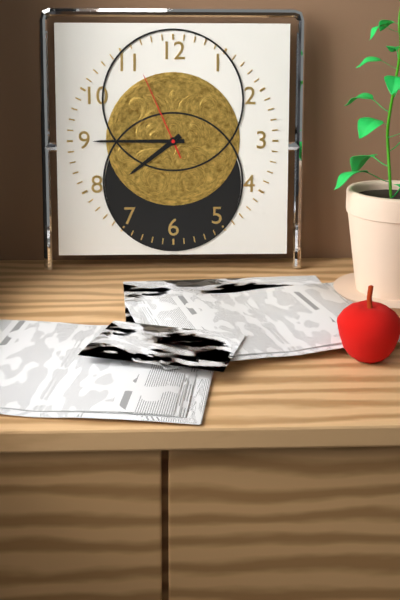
7:45:56
